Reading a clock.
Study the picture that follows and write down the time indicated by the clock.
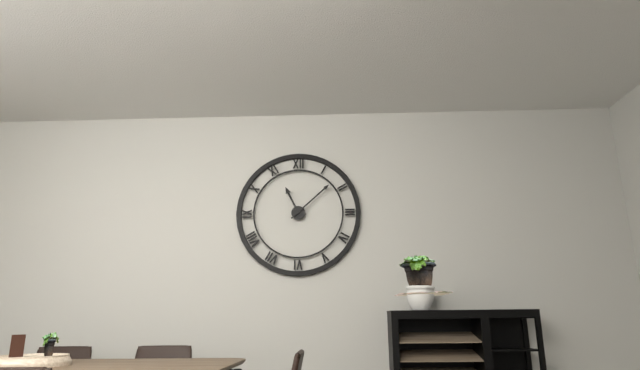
11:08
